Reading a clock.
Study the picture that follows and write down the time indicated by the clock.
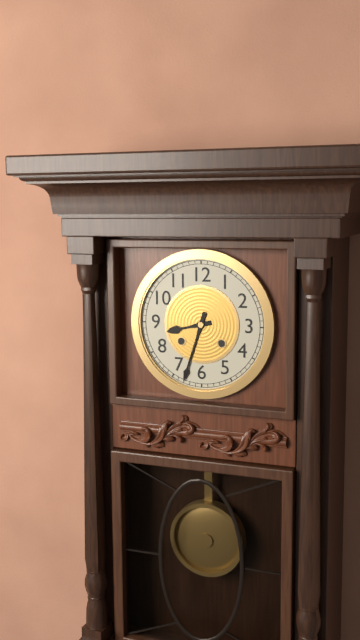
8:33
